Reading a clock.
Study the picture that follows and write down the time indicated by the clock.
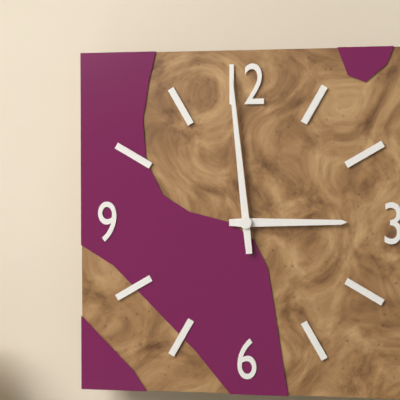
2:59
